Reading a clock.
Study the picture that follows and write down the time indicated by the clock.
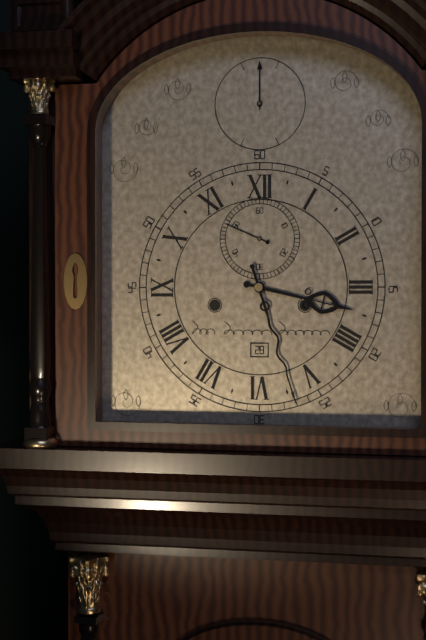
3:27
